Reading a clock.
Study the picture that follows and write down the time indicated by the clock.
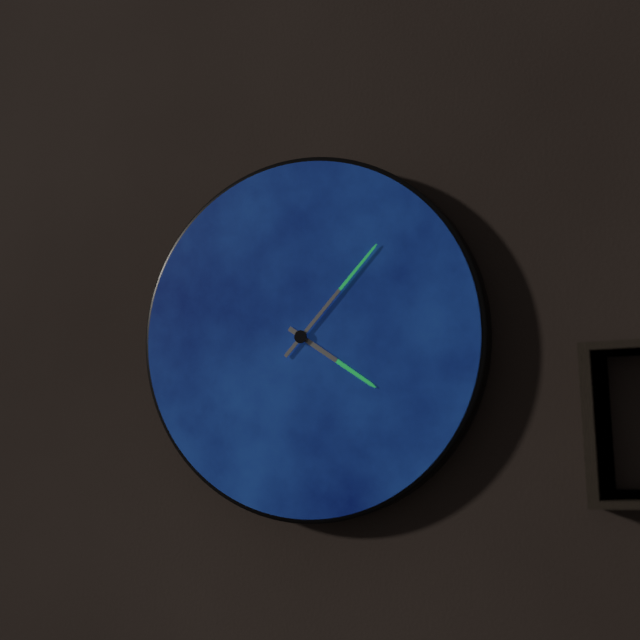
4:07
